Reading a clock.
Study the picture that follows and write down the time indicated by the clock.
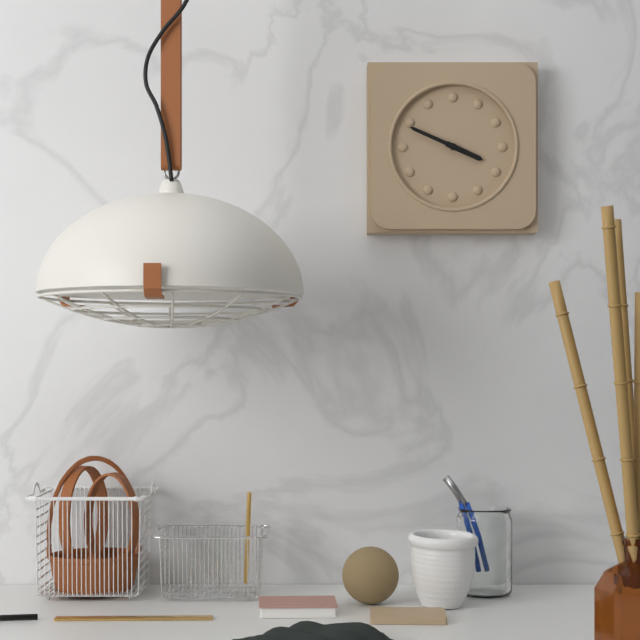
3:49
